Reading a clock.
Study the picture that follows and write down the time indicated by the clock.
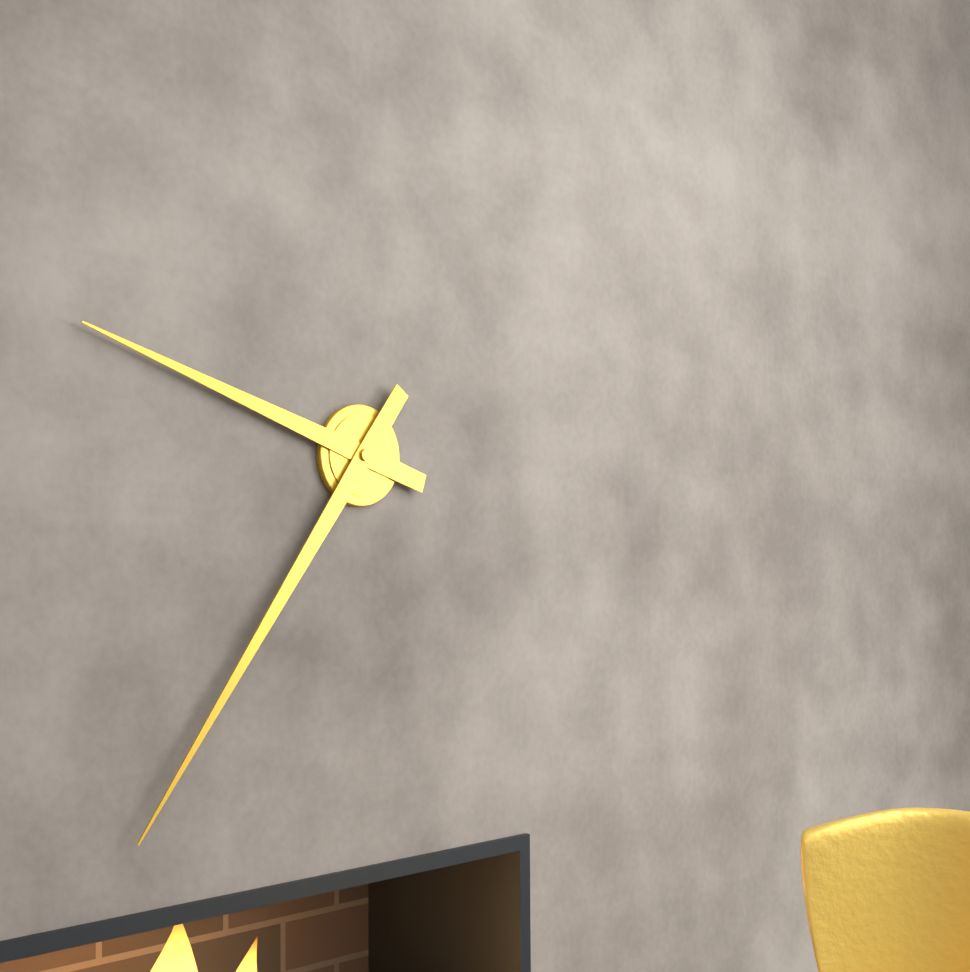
9:36
